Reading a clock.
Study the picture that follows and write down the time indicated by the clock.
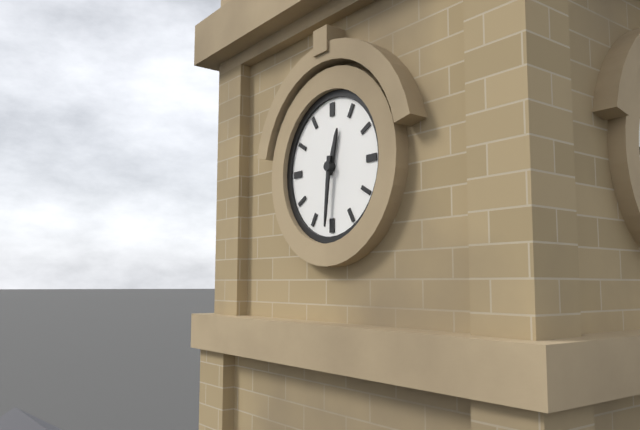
12:31
